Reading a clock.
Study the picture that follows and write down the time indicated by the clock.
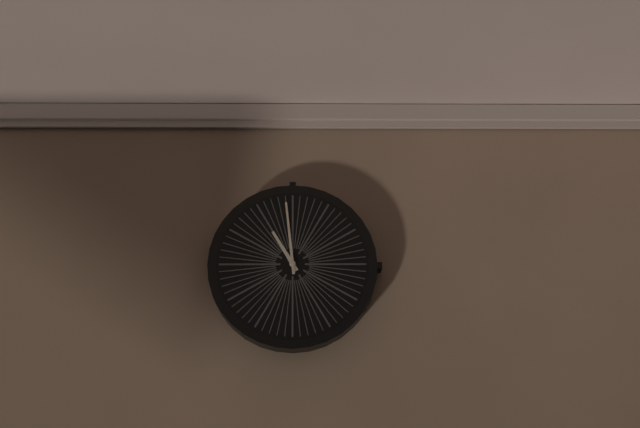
10:59
